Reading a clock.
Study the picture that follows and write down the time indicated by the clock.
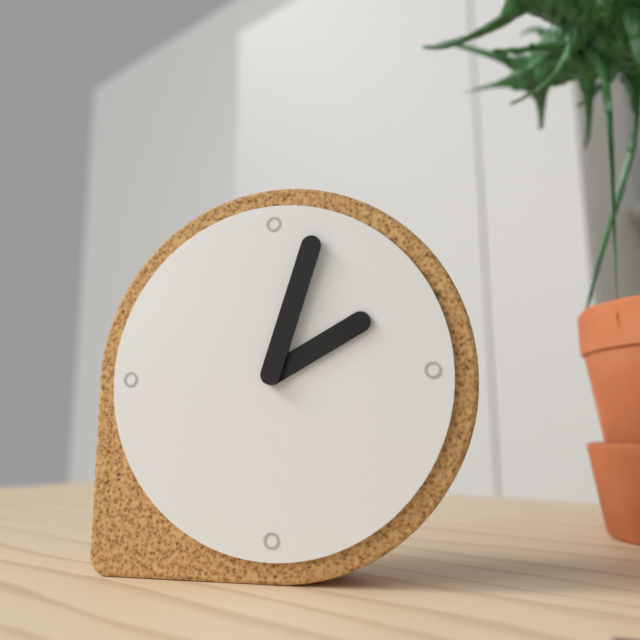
2:03
